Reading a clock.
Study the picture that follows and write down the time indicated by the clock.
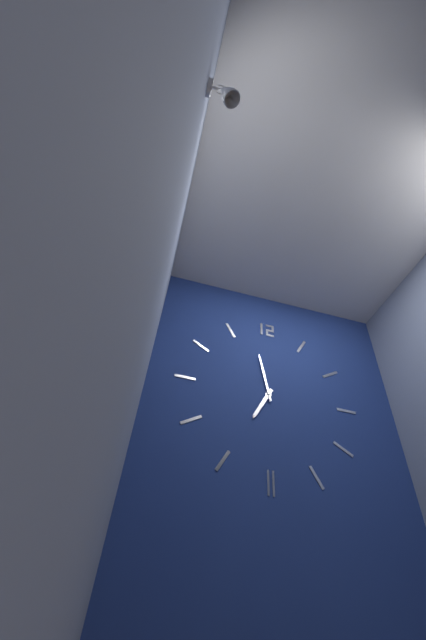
6:58
